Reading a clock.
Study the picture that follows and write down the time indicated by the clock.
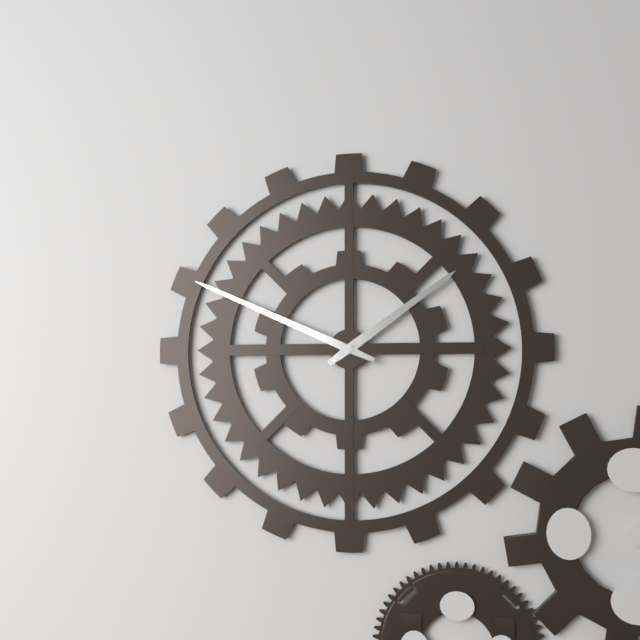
1:49
